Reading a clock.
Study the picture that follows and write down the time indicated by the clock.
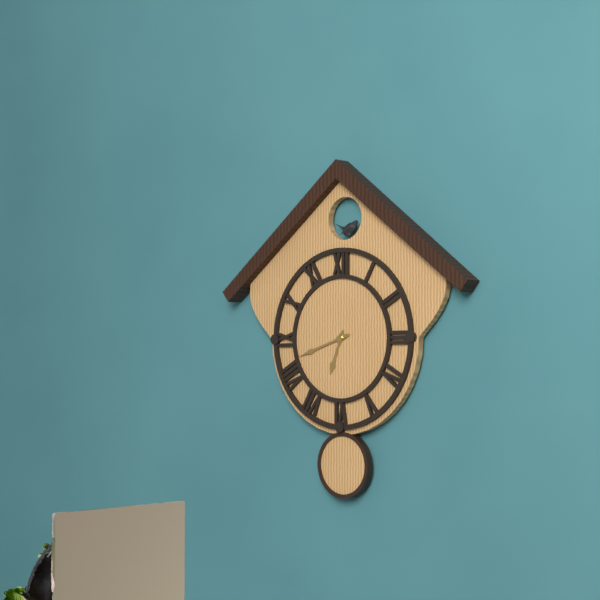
6:42
